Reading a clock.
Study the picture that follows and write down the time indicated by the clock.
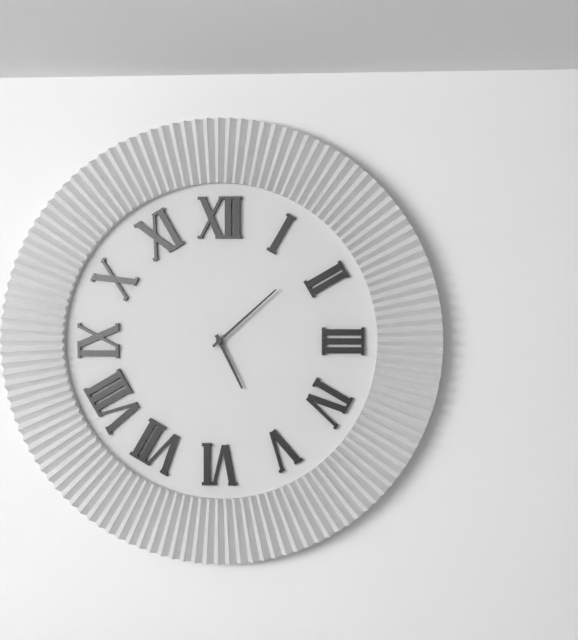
5:08
